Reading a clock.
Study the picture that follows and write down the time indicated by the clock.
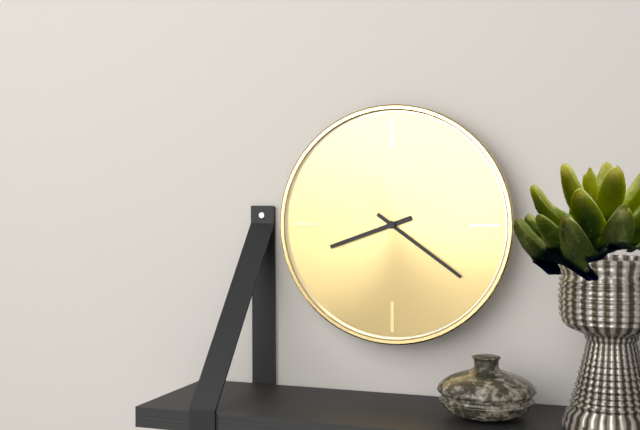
8:21
